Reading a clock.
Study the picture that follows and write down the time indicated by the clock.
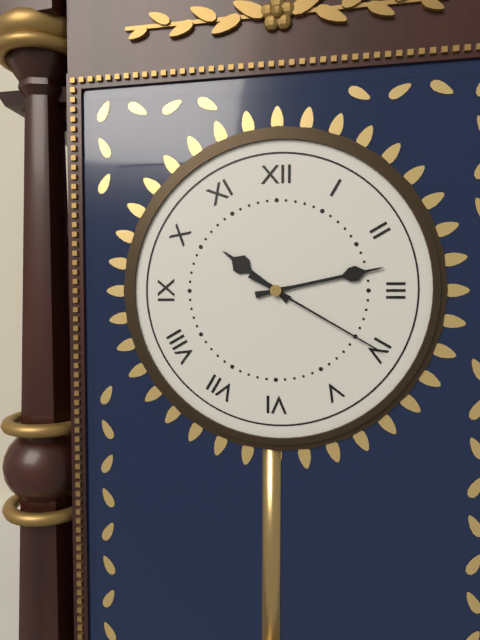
10:13:20
